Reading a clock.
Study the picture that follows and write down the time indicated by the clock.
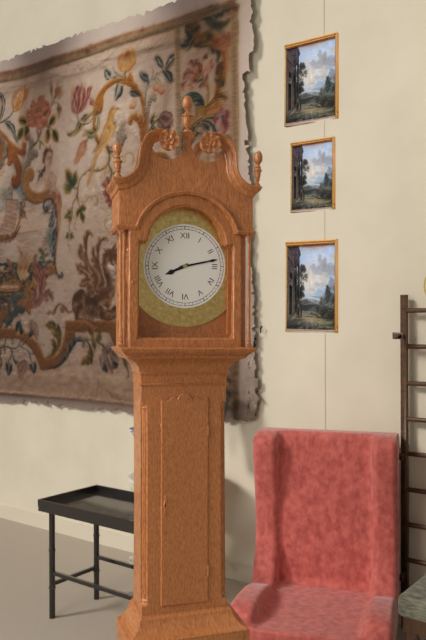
8:13
